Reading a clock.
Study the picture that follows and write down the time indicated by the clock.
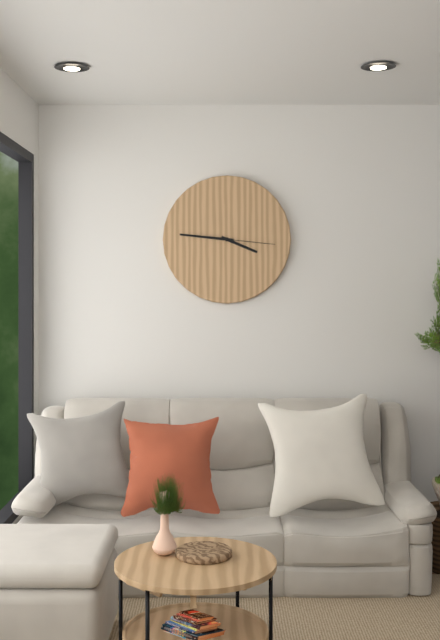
3:46:16
